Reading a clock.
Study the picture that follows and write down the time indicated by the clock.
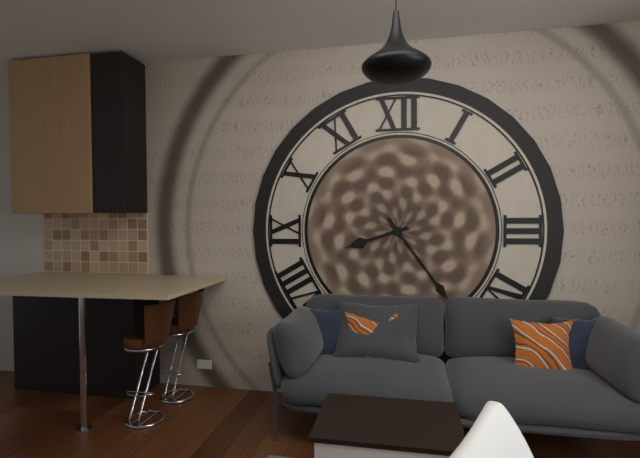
8:24
